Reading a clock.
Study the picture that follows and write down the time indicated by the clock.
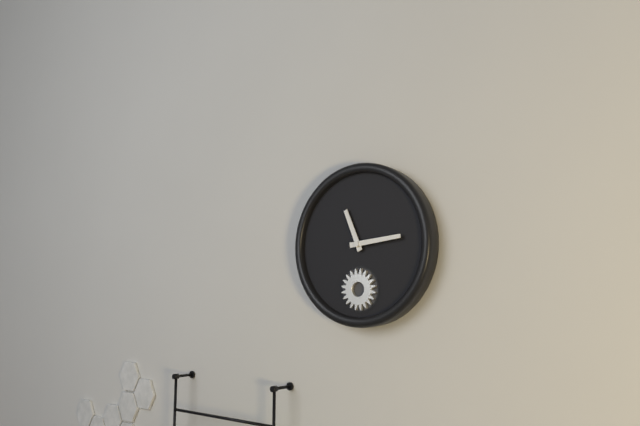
11:14
